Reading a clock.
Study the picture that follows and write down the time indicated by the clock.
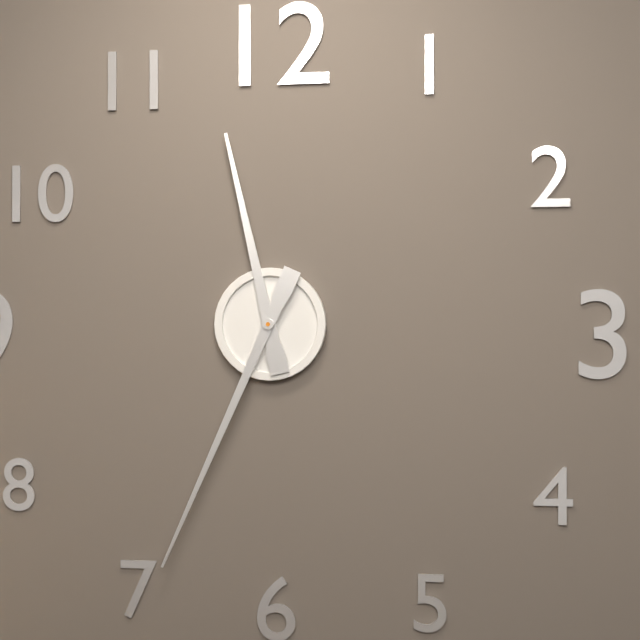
11:34
